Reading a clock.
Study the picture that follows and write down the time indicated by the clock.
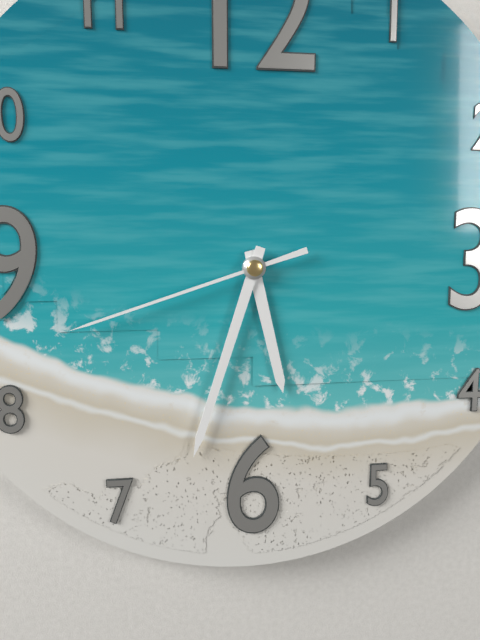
5:33:42
